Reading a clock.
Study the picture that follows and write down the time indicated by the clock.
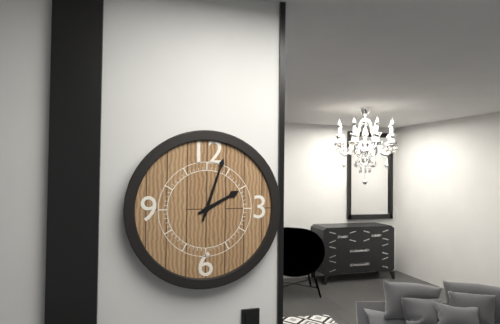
2:03
